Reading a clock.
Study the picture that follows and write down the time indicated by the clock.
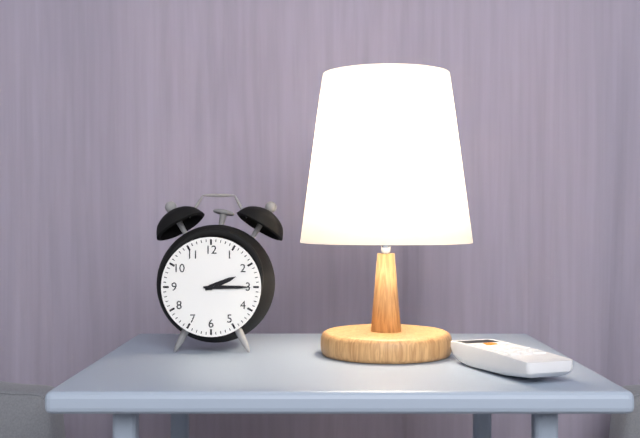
2:15
